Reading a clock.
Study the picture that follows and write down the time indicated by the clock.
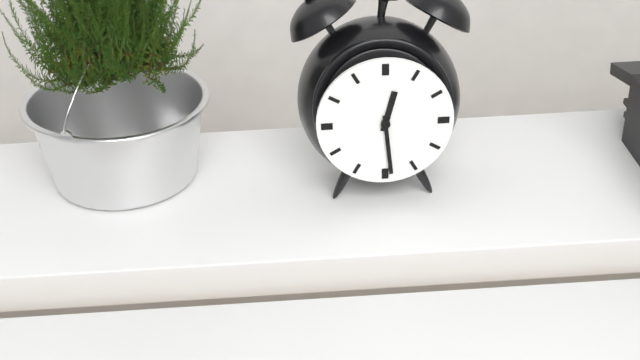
12:29
